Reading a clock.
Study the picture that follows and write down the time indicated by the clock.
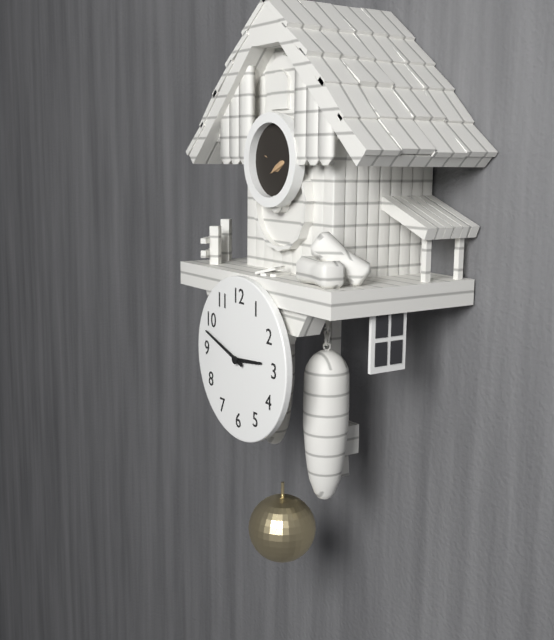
2:48
